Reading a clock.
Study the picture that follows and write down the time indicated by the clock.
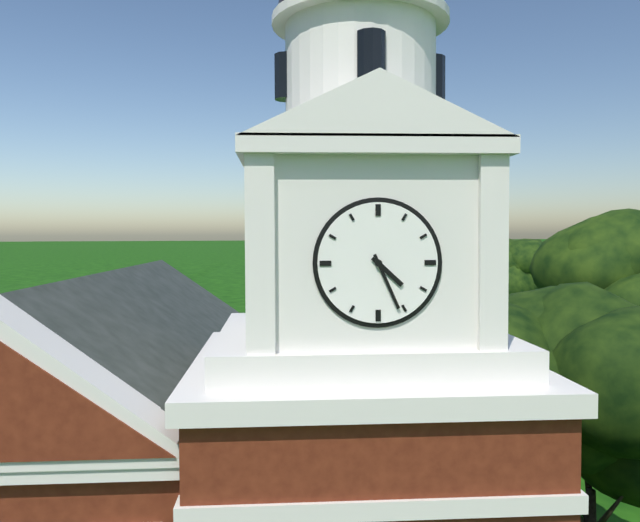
4:26
